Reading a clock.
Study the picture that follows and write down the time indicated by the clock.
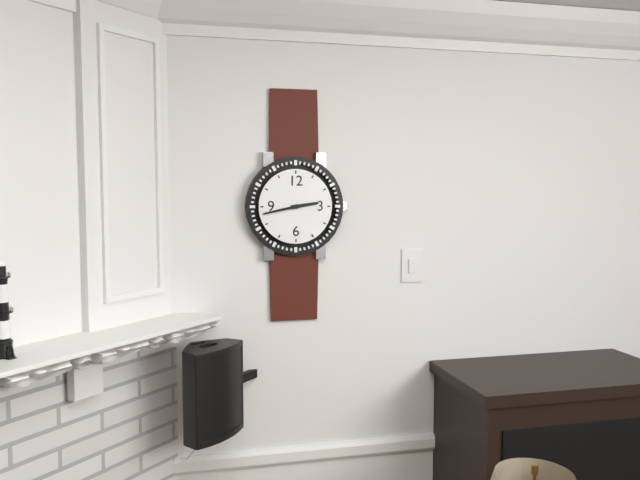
2:43
